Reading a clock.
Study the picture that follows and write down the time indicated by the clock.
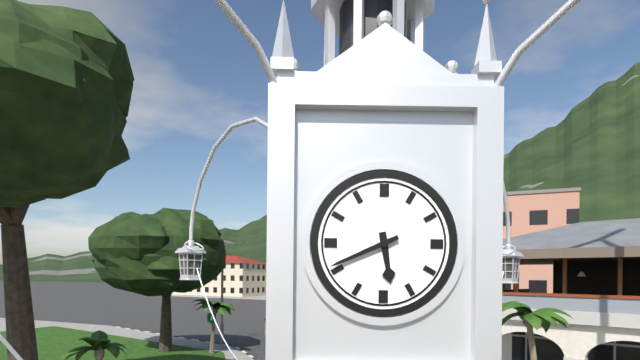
5:41
